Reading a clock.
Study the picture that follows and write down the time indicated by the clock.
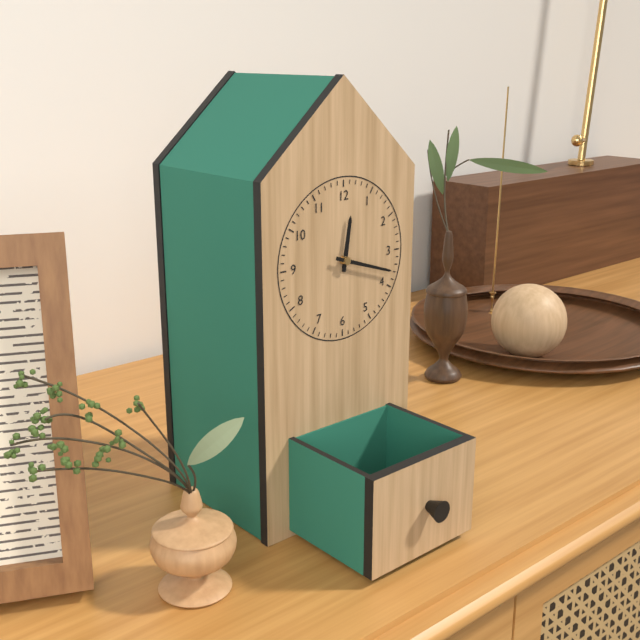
12:18
